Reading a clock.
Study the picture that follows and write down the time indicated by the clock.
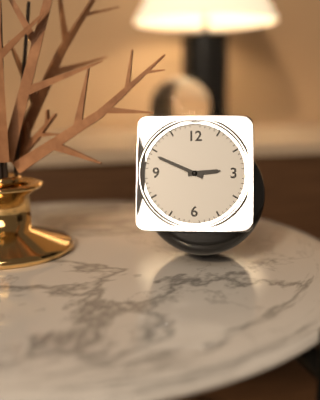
2:49
